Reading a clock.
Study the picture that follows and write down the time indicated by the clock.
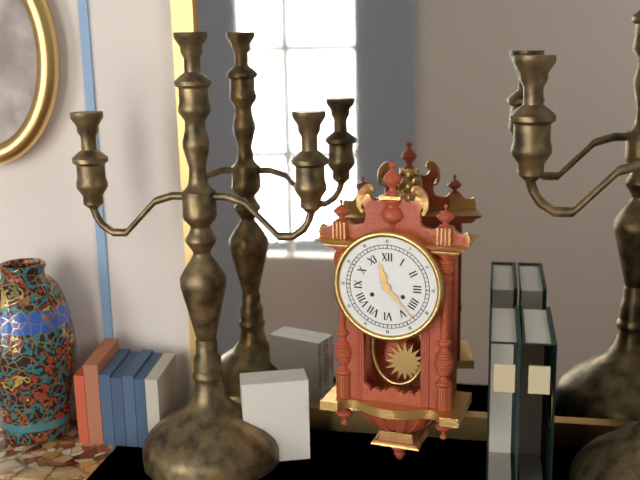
11:23
